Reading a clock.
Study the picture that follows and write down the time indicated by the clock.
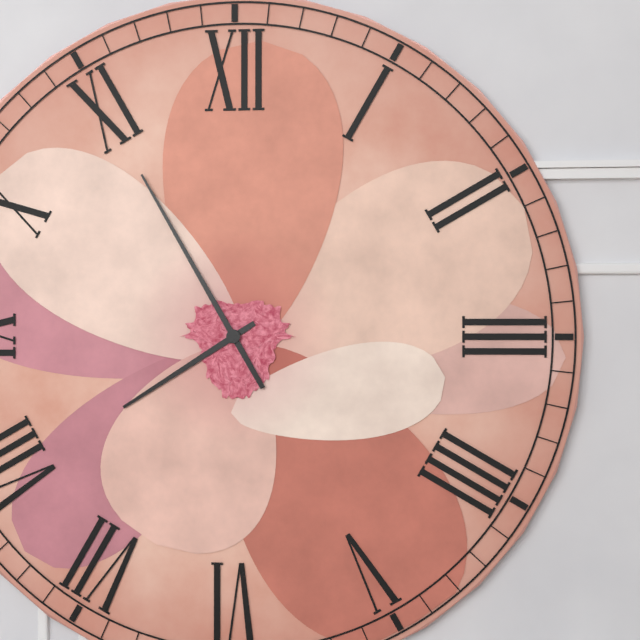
7:55
